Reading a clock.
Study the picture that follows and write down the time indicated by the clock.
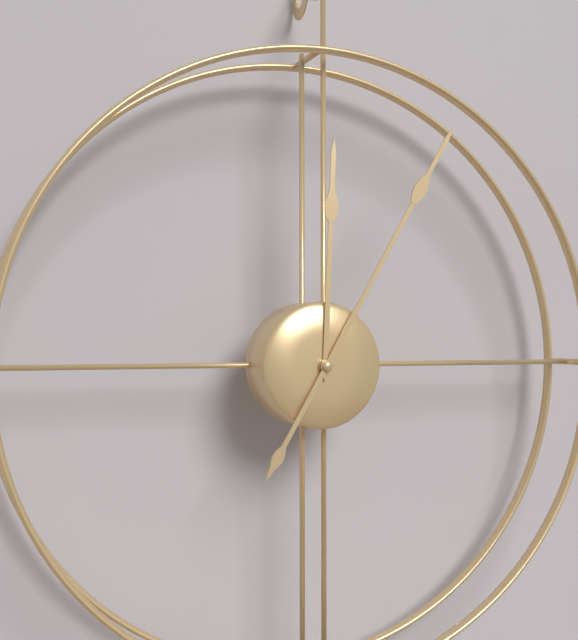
12:05
